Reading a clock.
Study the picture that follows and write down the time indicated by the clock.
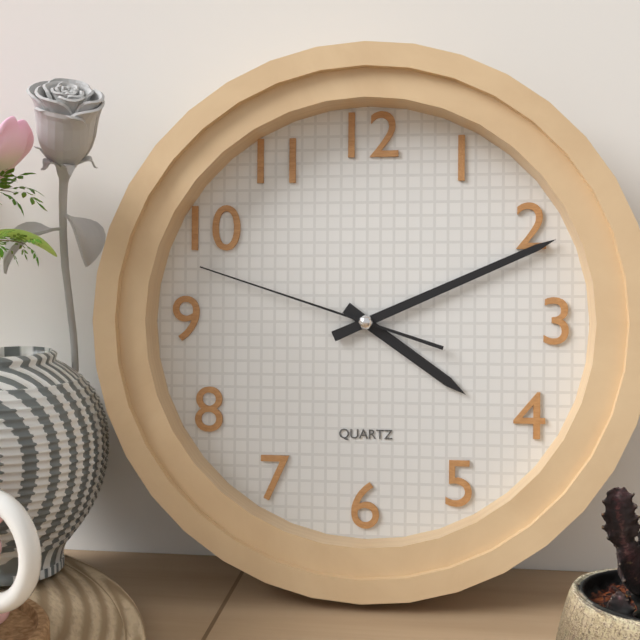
4:11:48
